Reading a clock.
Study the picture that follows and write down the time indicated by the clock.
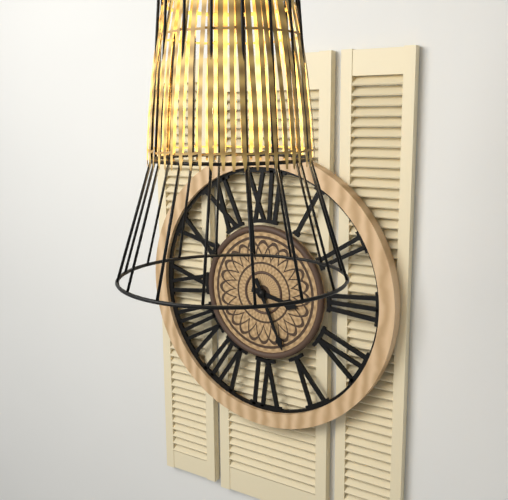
3:26
